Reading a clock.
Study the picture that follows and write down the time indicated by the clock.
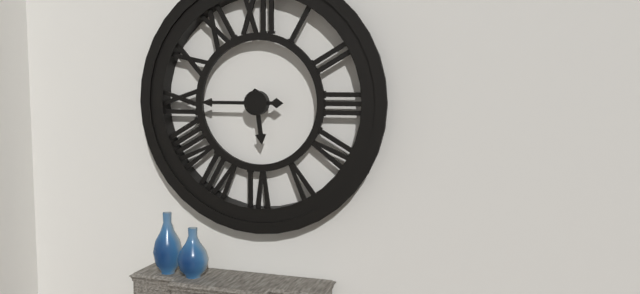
5:45
